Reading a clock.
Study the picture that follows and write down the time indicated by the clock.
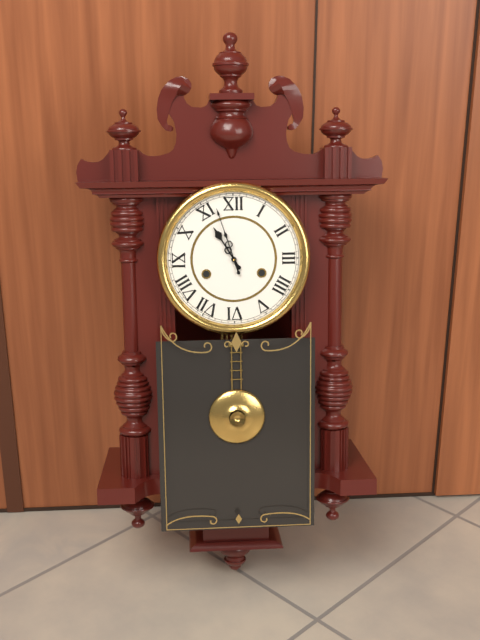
10:57
